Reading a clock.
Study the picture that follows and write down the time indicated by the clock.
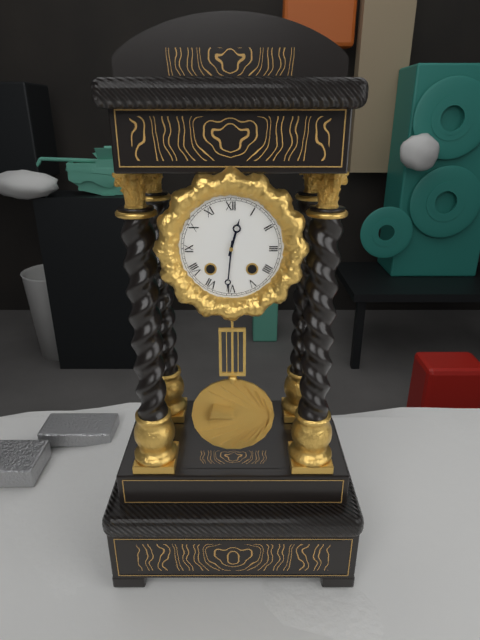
12:31
